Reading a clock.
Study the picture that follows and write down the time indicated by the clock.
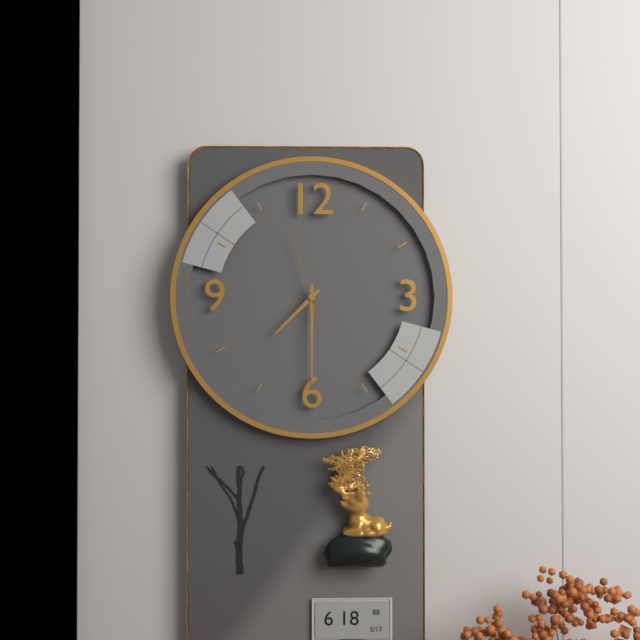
7:30:57
